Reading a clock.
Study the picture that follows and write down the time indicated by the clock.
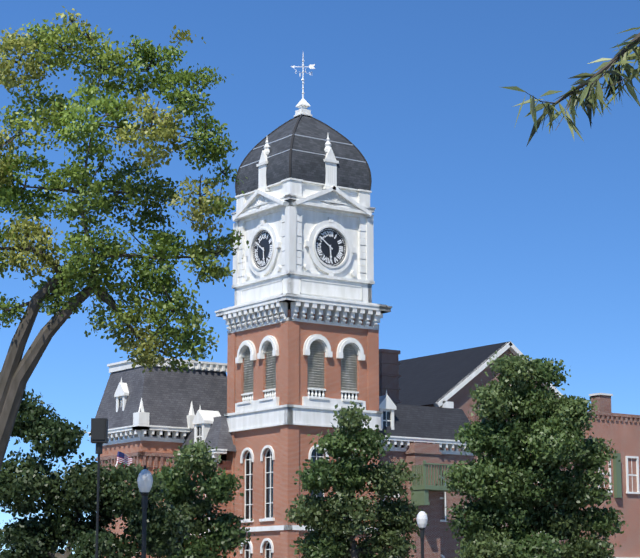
5:51
